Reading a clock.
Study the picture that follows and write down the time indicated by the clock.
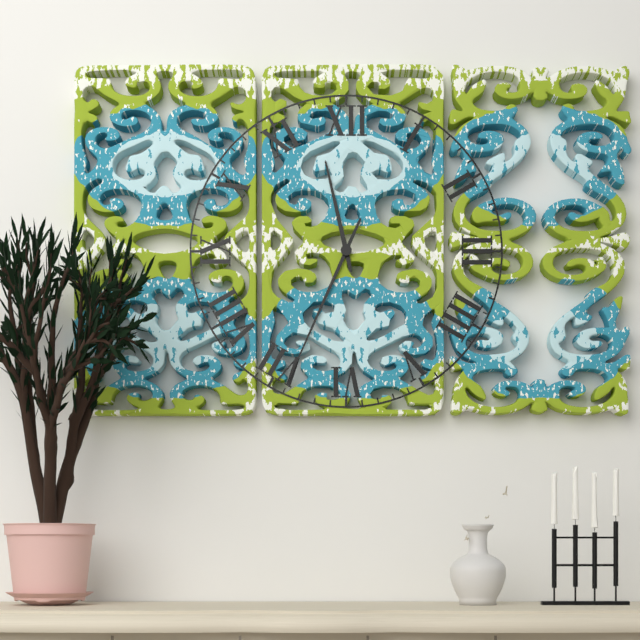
11:34
